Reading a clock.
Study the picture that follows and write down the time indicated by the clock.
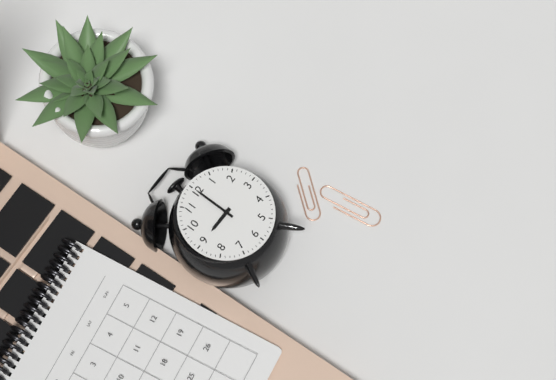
9:00
